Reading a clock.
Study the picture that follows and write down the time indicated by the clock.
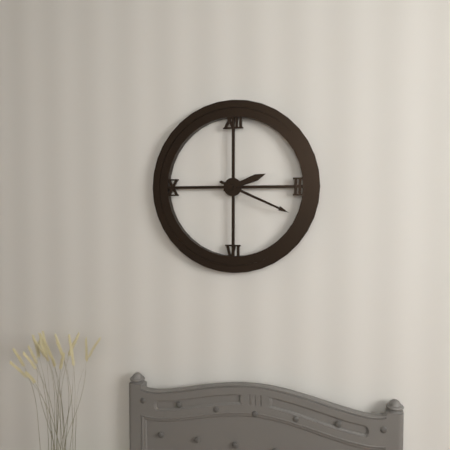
2:19
